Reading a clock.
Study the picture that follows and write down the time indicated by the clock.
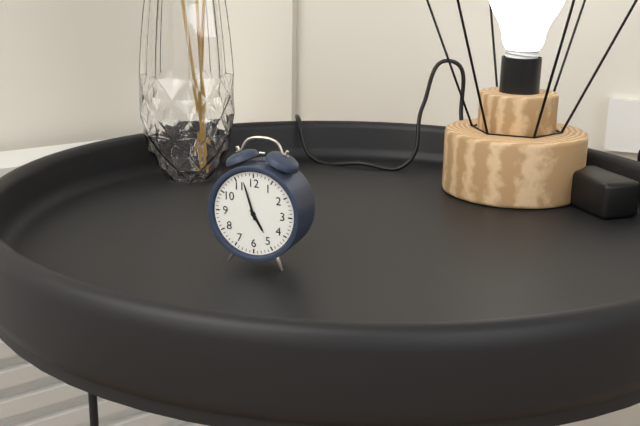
4:57
